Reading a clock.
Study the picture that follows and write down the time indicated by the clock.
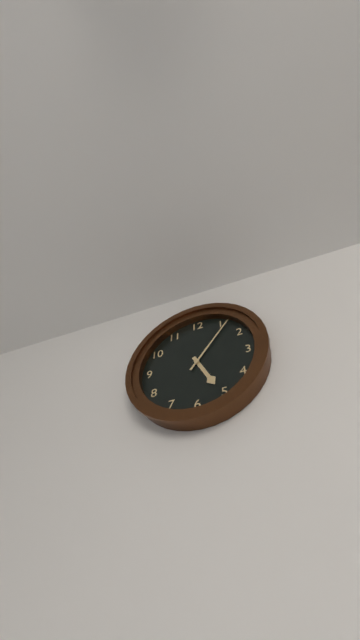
5:06
